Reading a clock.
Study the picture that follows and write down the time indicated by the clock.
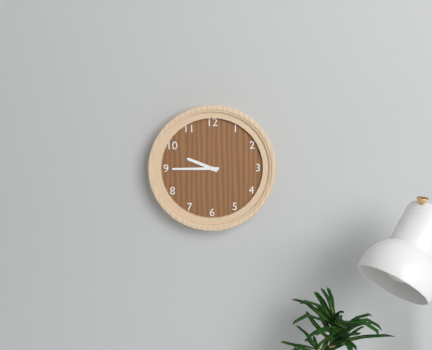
9:45
